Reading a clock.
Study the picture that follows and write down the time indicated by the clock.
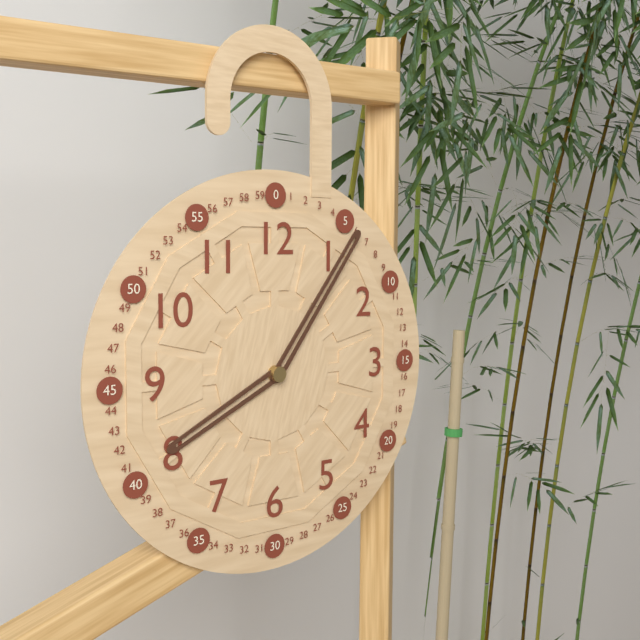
8:06
